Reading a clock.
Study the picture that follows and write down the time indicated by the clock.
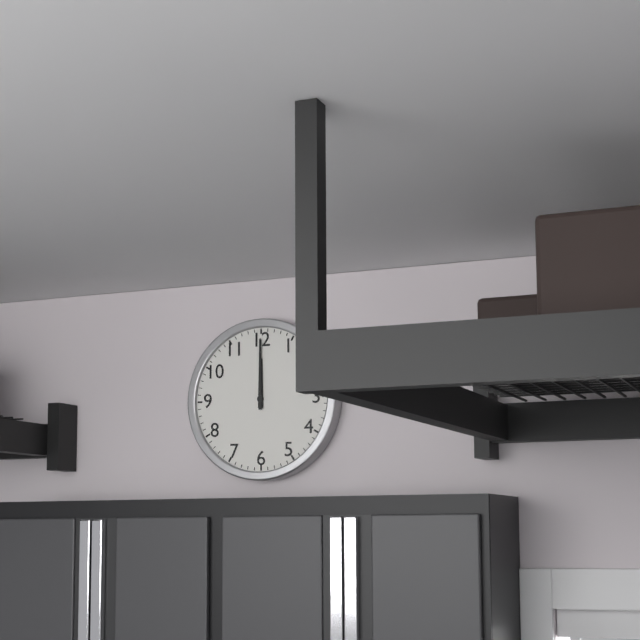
12:00
